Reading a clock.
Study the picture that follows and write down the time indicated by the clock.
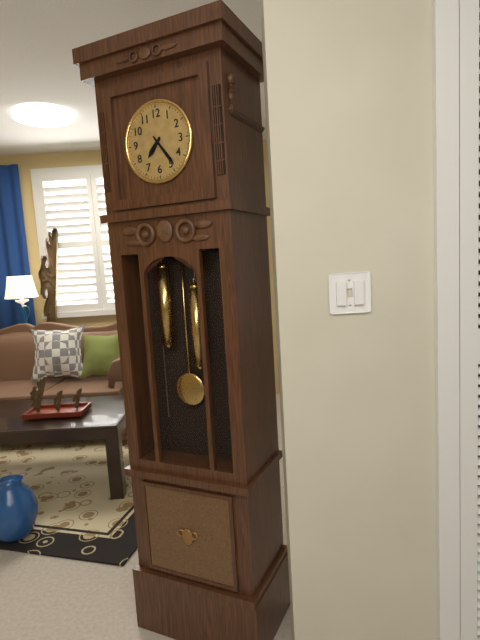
7:24
